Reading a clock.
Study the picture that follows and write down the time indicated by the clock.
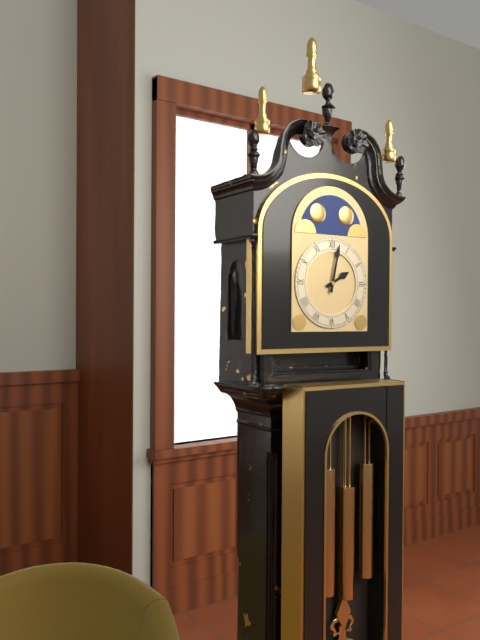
2:02
